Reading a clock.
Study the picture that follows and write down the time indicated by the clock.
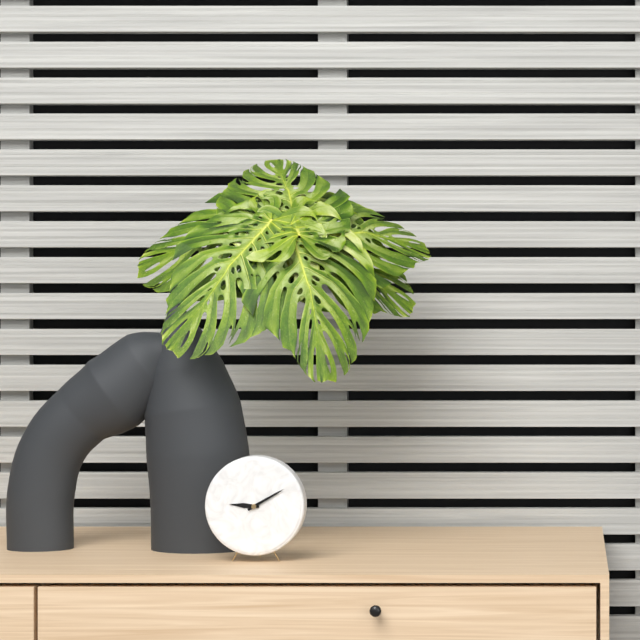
9:10
